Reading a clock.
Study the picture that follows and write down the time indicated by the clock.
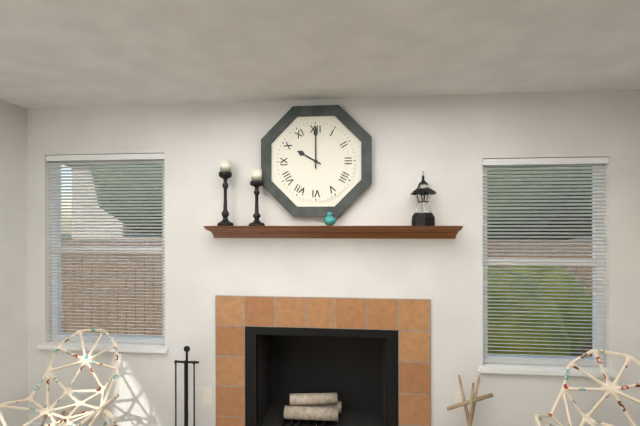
10:00
